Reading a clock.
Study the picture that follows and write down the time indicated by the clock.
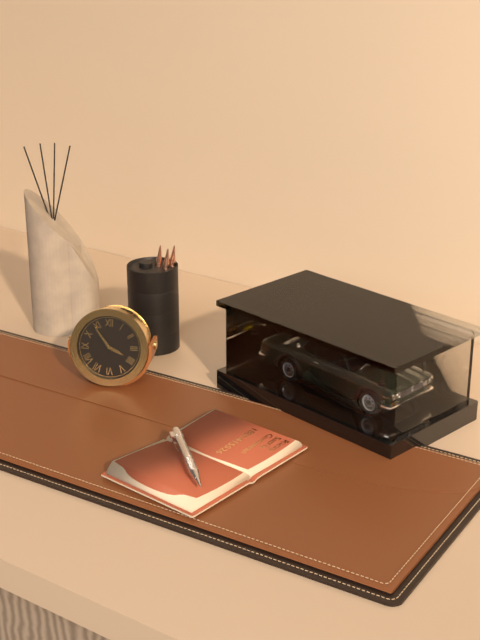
3:54
